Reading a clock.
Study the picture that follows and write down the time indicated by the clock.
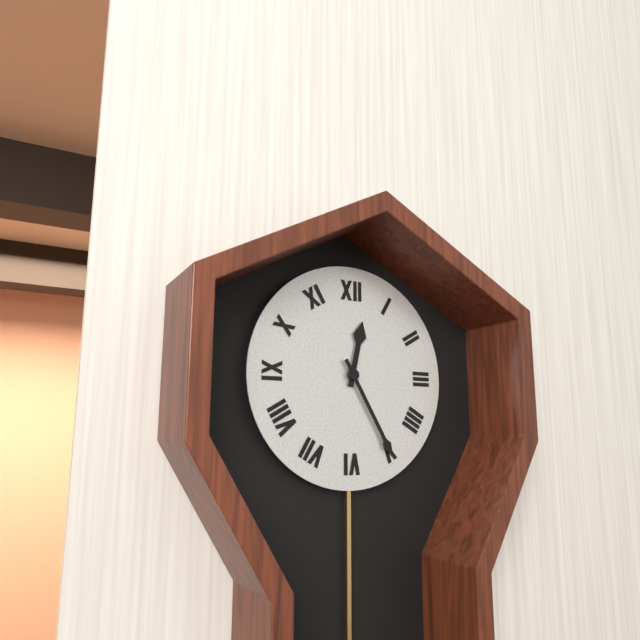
12:25
